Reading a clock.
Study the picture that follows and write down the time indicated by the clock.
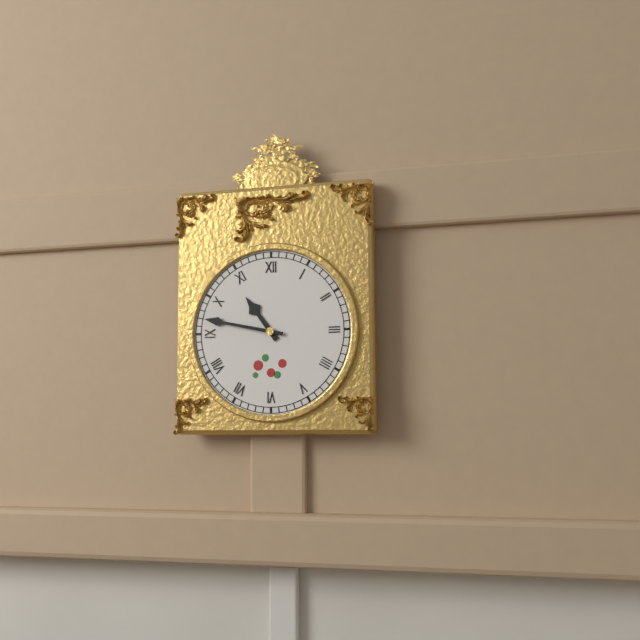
10:47
